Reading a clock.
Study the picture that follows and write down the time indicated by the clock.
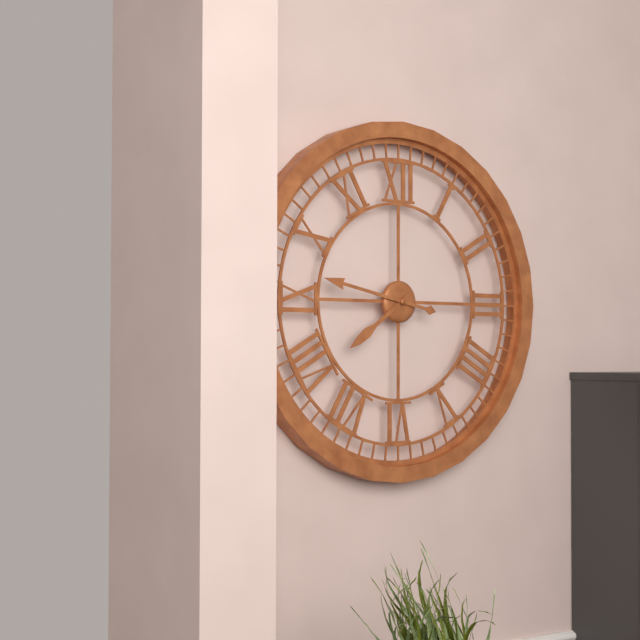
7:47
